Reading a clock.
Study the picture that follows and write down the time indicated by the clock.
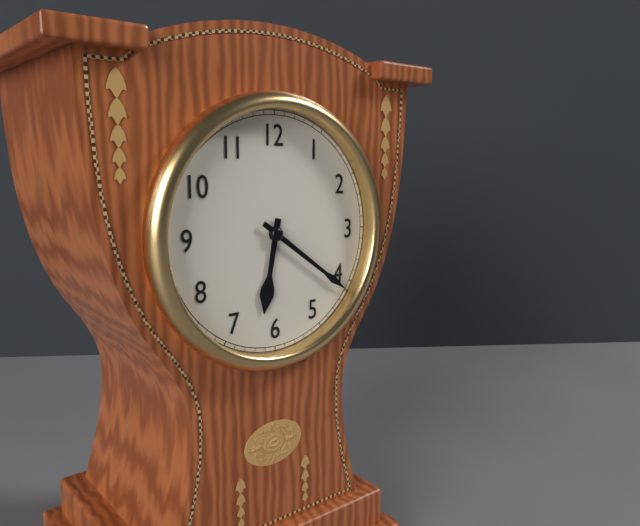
6:21
